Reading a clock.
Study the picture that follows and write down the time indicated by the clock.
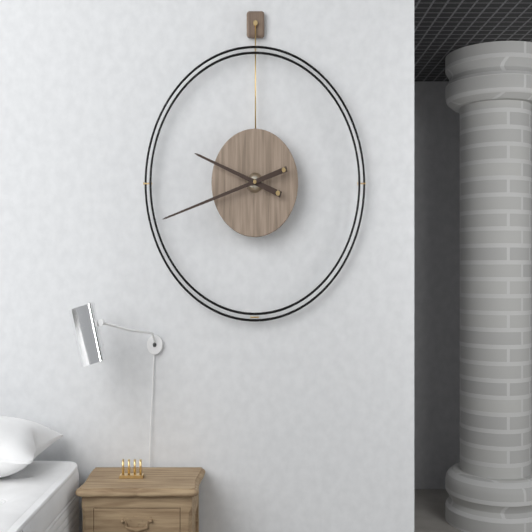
9:42
